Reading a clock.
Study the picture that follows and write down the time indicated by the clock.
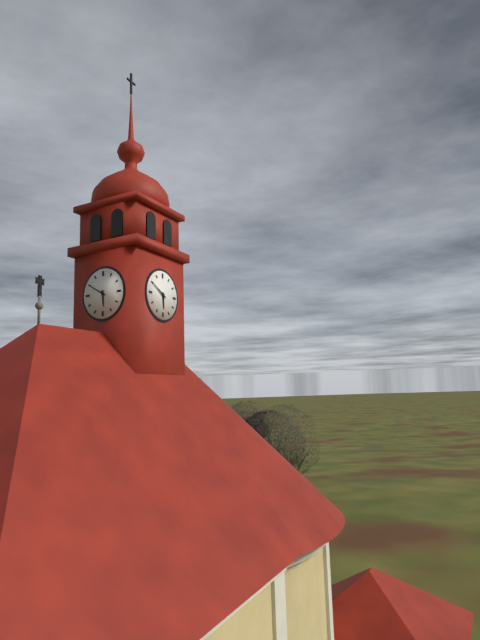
5:50
